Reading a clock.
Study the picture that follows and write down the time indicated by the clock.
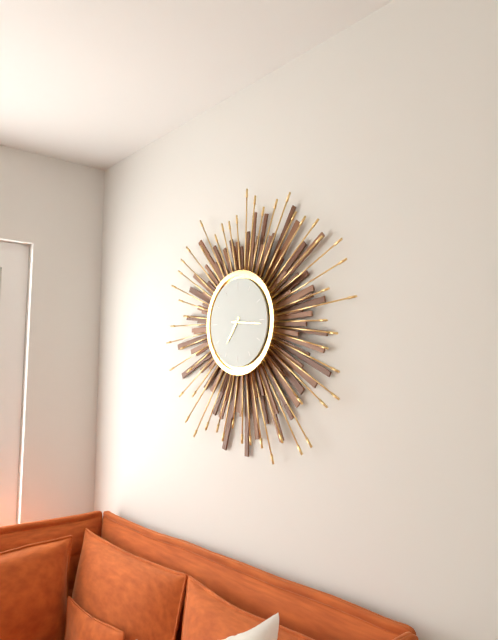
7:16
